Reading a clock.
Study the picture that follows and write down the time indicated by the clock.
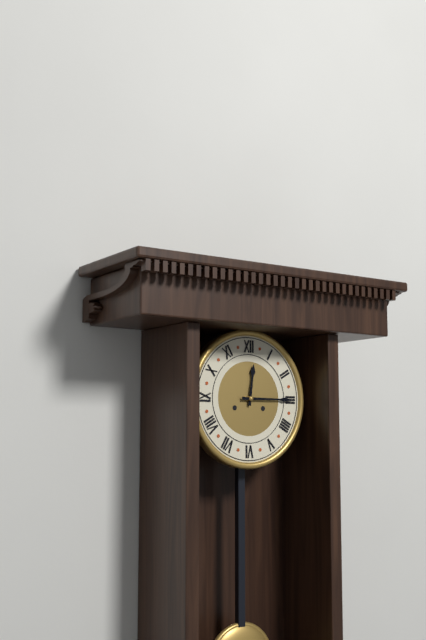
12:15
